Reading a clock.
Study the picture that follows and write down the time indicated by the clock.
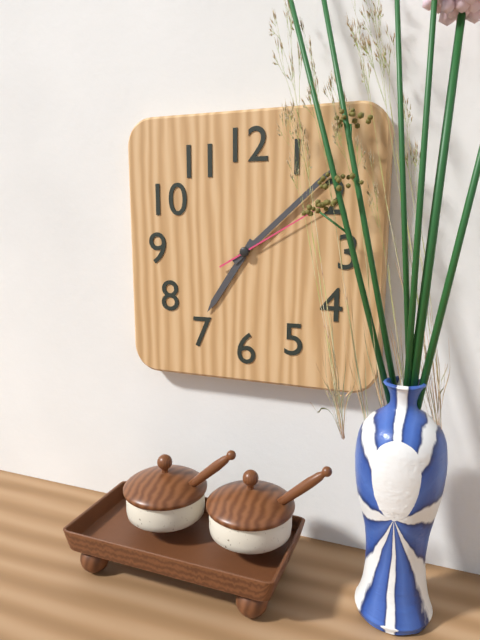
7:08:10
